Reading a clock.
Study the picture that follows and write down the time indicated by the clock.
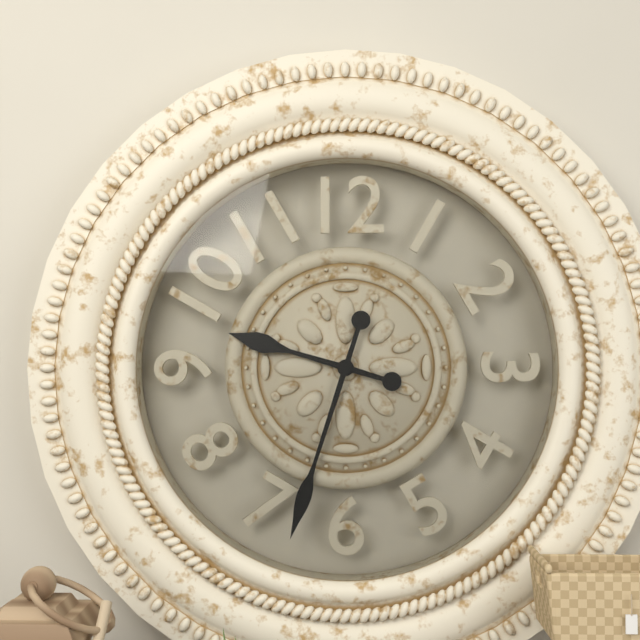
9:33
